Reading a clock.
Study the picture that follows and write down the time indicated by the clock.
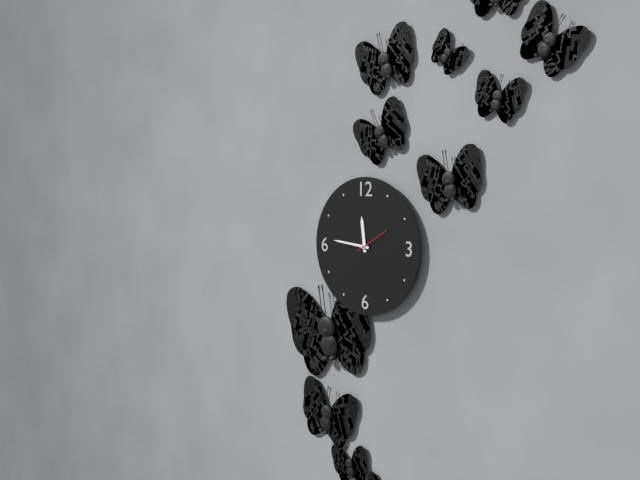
11:46
